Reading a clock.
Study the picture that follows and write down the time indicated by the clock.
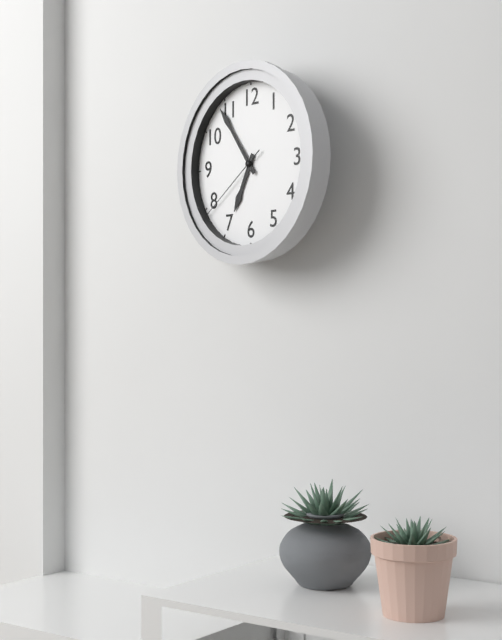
6:54:39
